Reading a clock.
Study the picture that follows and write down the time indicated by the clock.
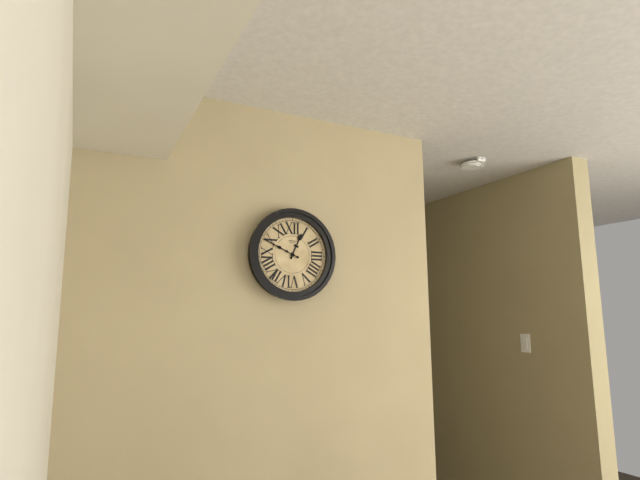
12:49
